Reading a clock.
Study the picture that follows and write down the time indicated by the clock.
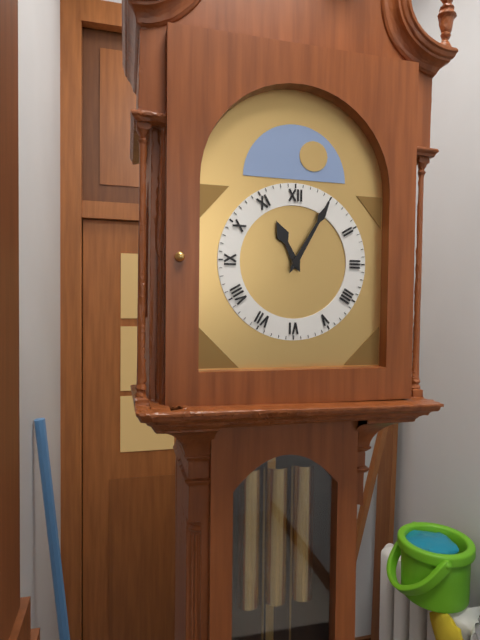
11:05
